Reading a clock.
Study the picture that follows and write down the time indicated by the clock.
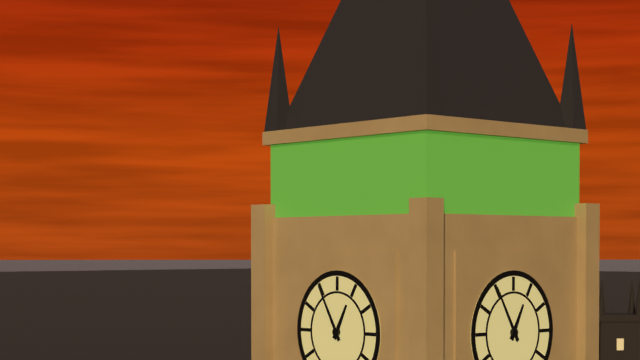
12:55
